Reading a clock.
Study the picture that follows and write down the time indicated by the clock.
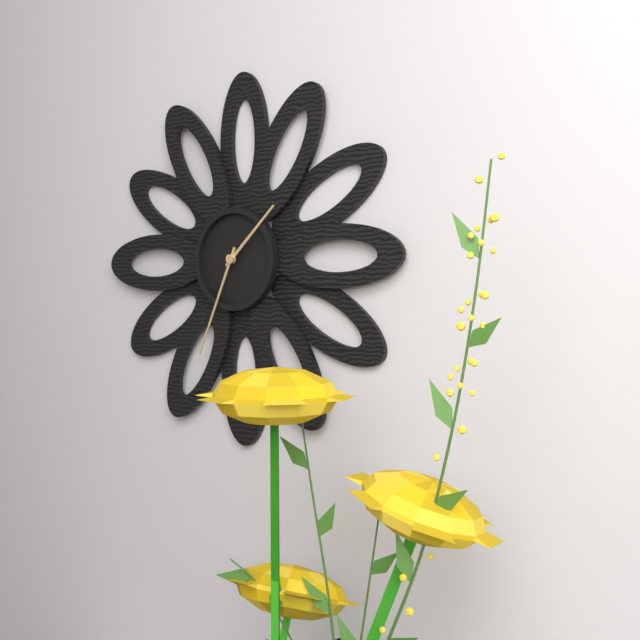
1:34
